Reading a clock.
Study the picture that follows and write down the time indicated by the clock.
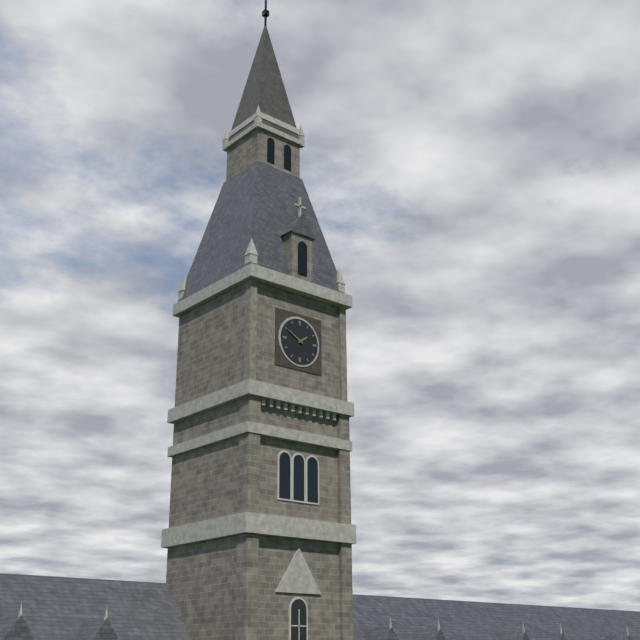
1:50
